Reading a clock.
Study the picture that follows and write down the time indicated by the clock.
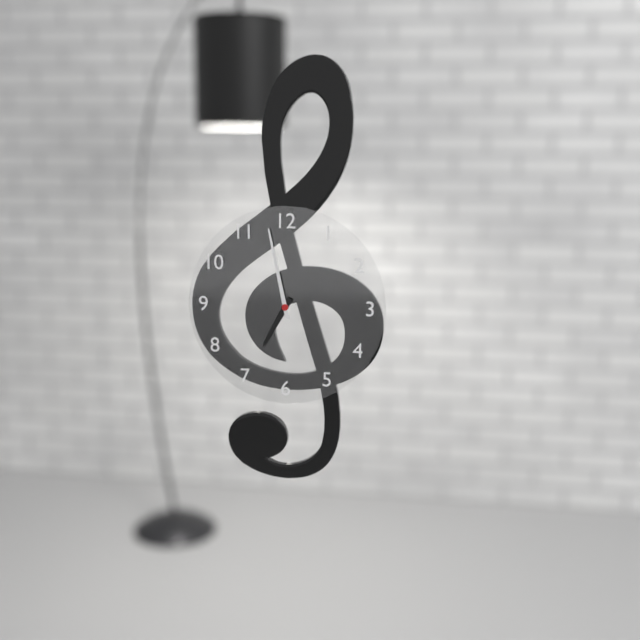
6:58
